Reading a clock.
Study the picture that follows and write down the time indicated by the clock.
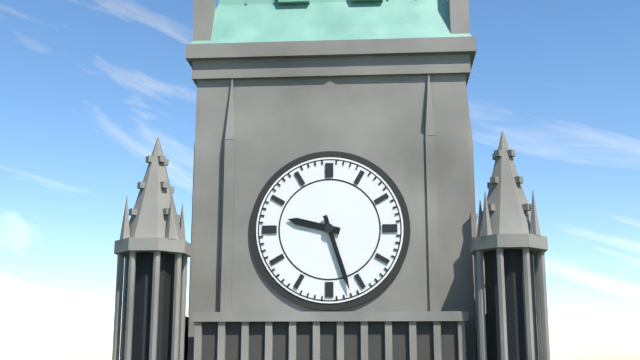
9:27
